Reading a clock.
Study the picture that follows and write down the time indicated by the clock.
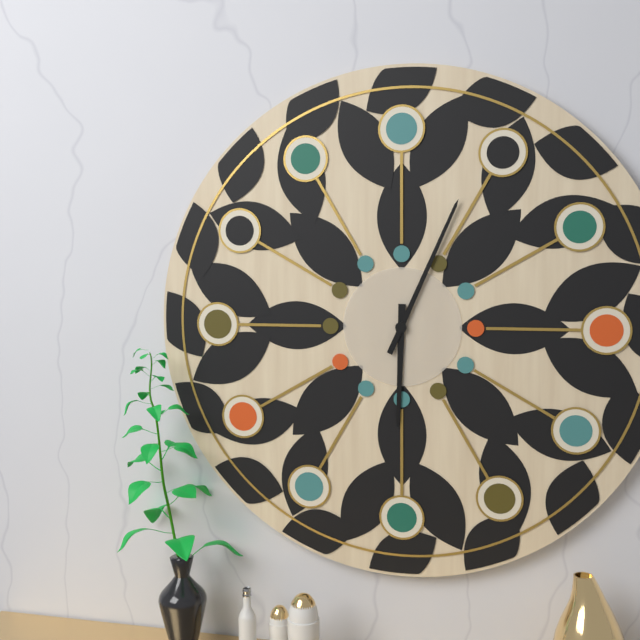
6:04
